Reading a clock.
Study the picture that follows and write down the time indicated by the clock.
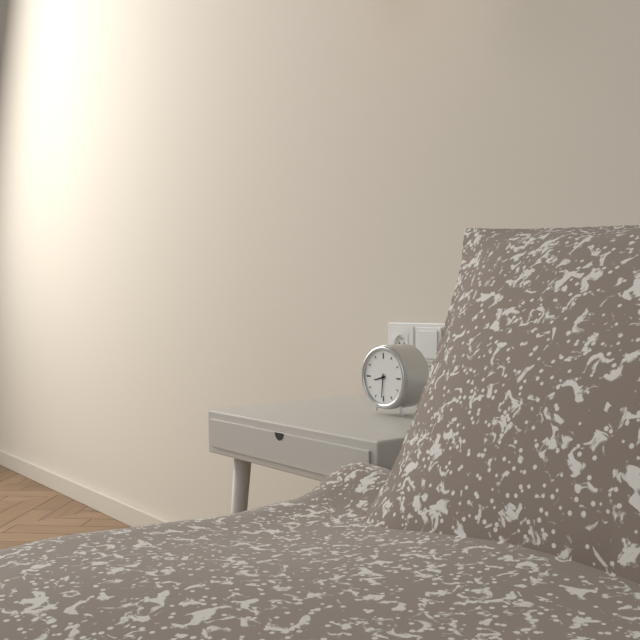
8:31
